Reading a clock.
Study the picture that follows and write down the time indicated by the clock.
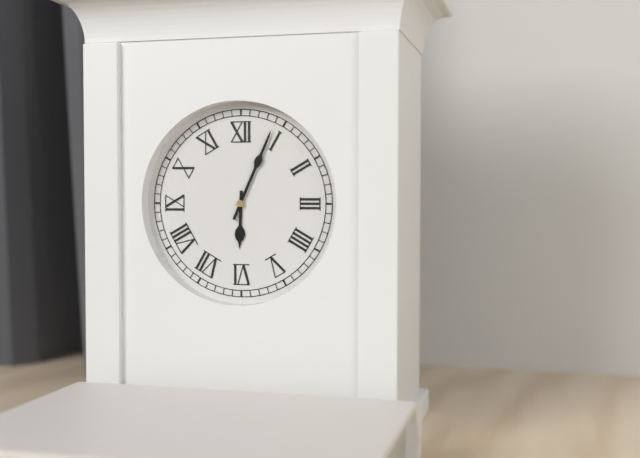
6:04
